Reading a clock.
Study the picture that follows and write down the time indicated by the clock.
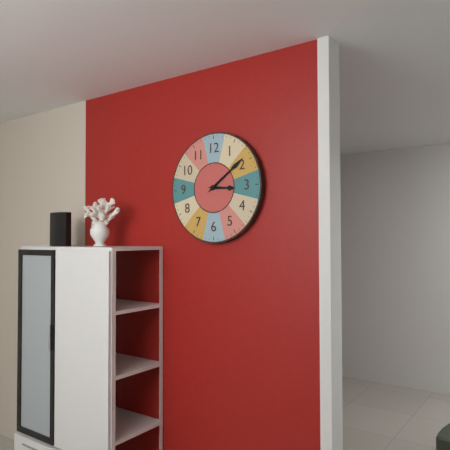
3:09
